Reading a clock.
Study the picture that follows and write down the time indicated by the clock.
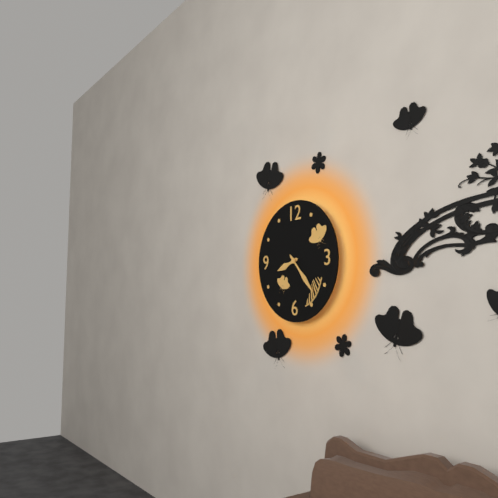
8:23
